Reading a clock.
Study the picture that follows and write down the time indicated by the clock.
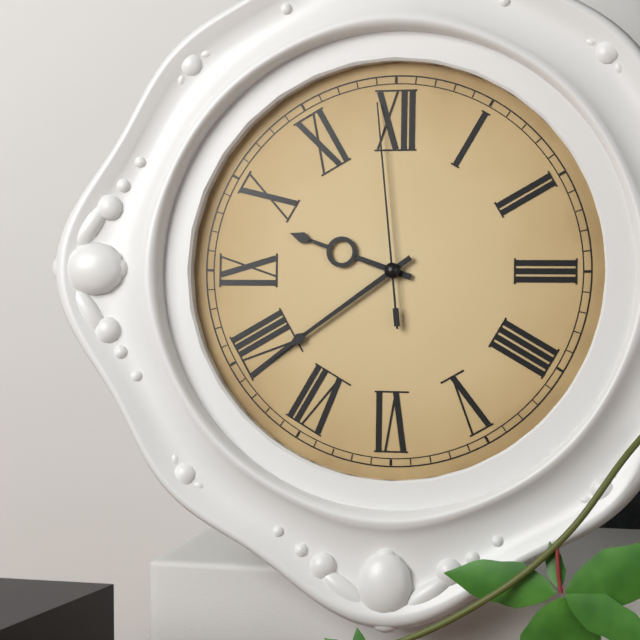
9:39:59
